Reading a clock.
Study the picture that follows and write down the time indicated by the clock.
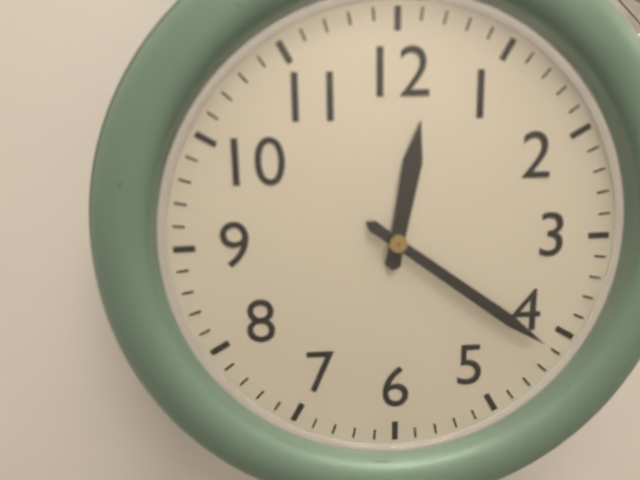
12:21
